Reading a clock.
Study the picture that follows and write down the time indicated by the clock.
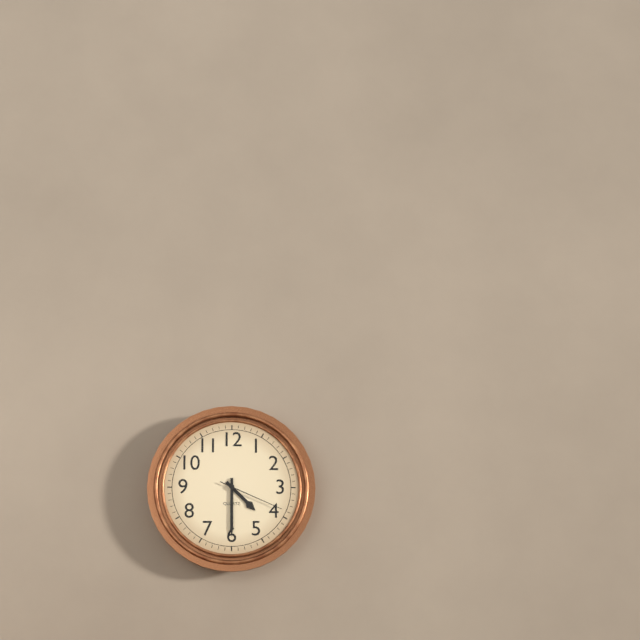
4:30:19
